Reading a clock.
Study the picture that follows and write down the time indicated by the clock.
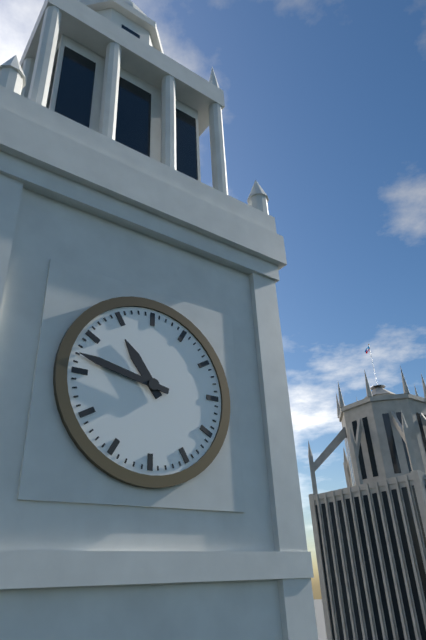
10:47
